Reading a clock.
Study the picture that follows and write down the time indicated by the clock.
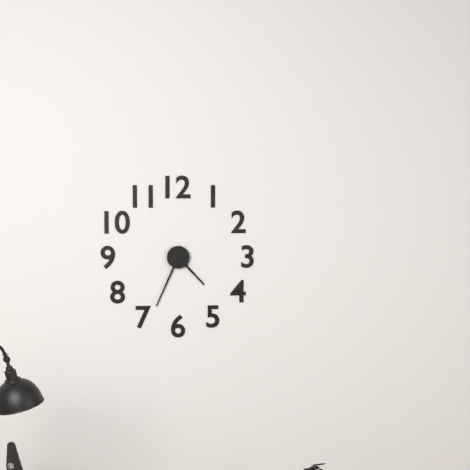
4:34
